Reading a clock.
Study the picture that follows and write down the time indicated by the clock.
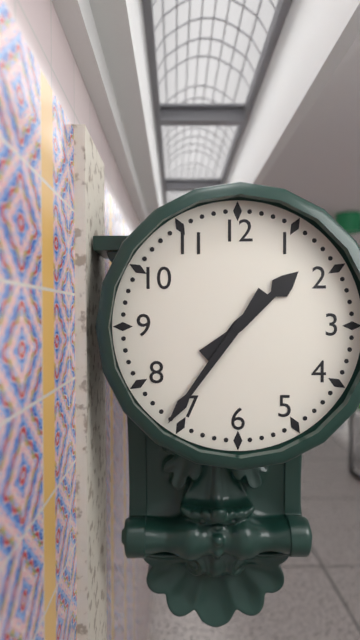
1:36
